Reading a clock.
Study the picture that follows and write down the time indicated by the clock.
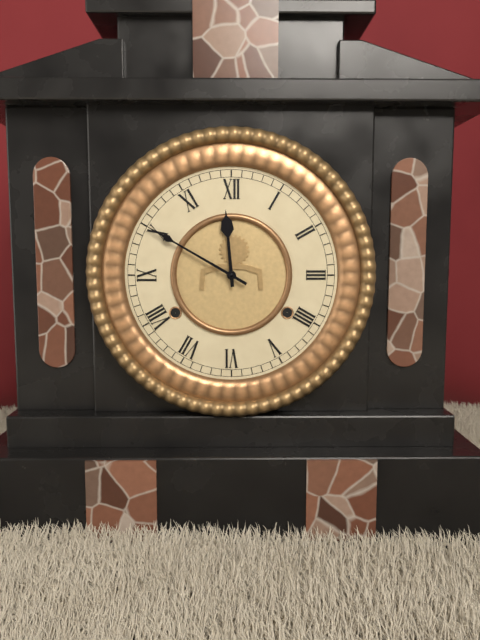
11:50
